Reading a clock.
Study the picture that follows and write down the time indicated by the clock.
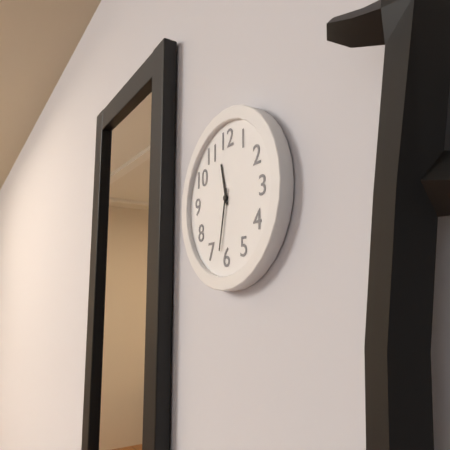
11:32
